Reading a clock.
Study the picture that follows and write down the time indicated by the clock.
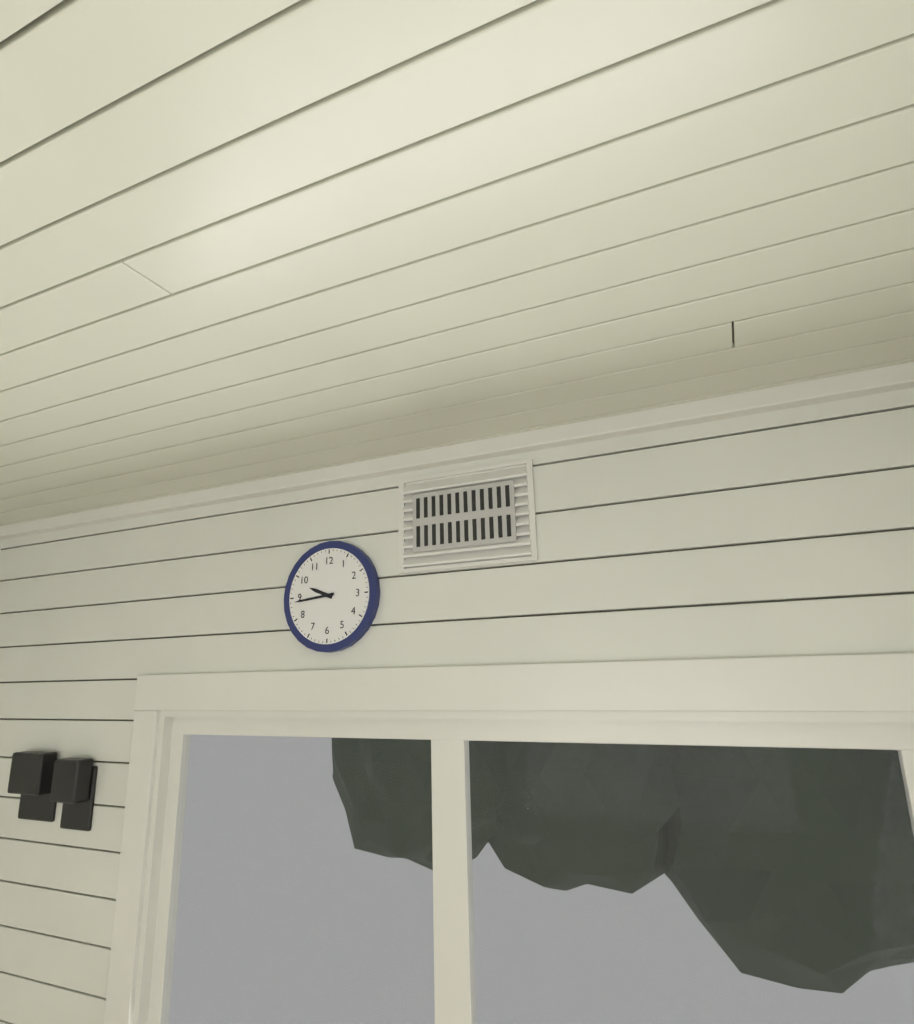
9:44
